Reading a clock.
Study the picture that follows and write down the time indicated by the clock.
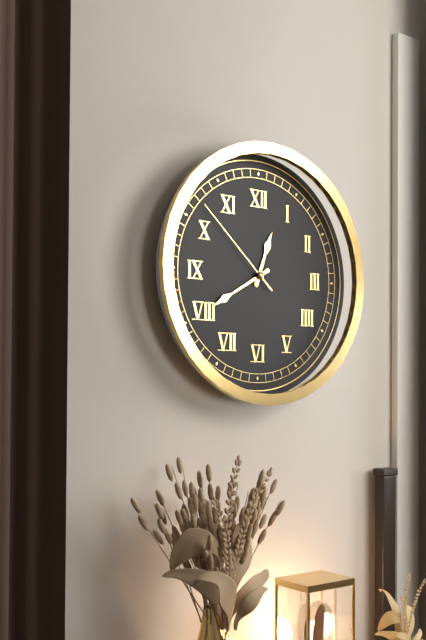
12:40:52
